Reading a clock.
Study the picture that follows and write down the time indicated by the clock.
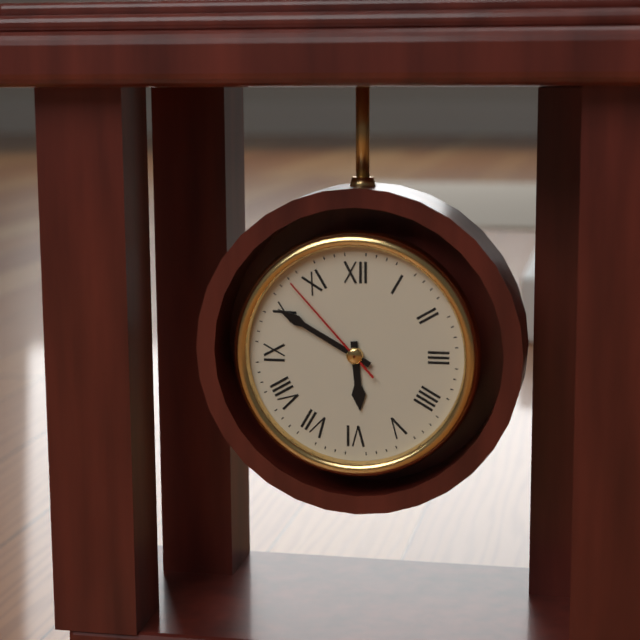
5:50:53
